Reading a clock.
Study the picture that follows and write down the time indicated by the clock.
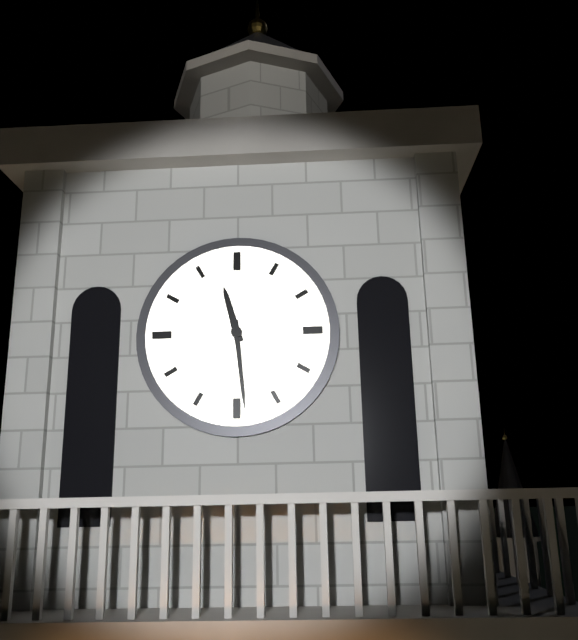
11:29
